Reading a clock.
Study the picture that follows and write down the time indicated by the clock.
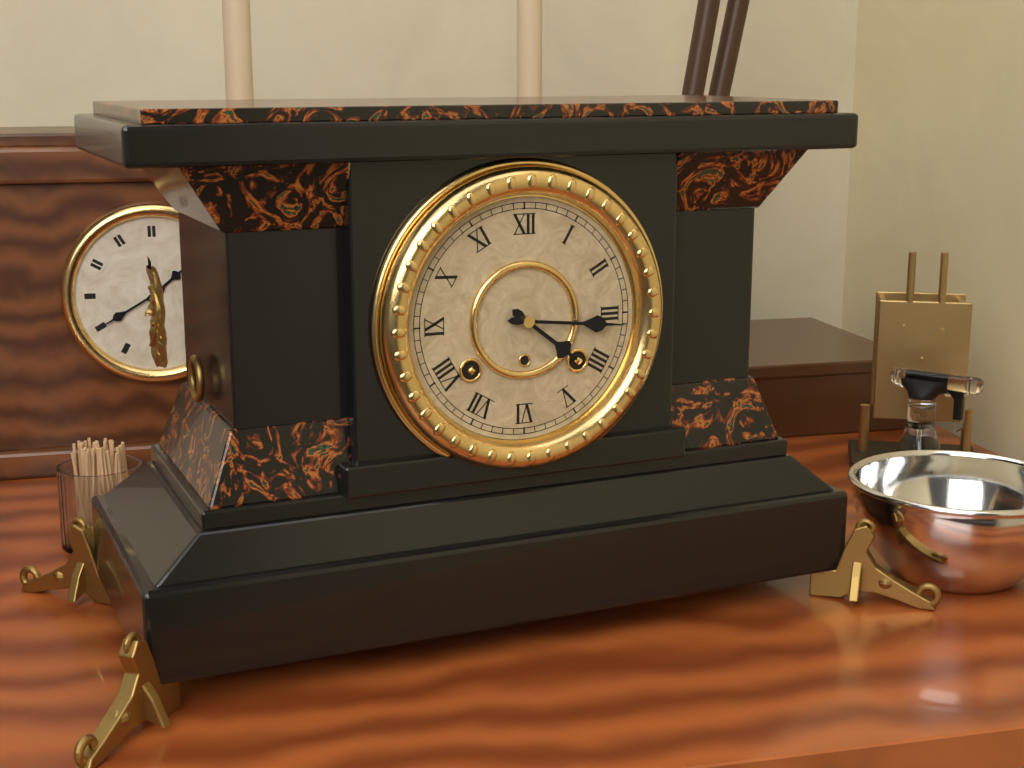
4:16
